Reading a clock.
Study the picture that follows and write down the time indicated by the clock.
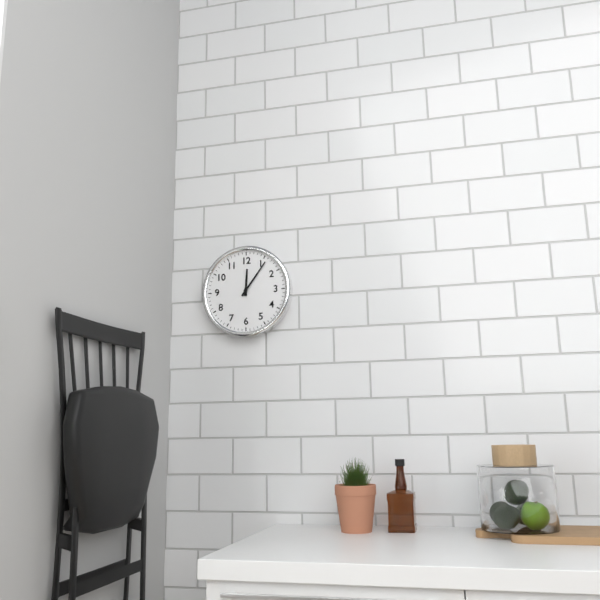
12:06
